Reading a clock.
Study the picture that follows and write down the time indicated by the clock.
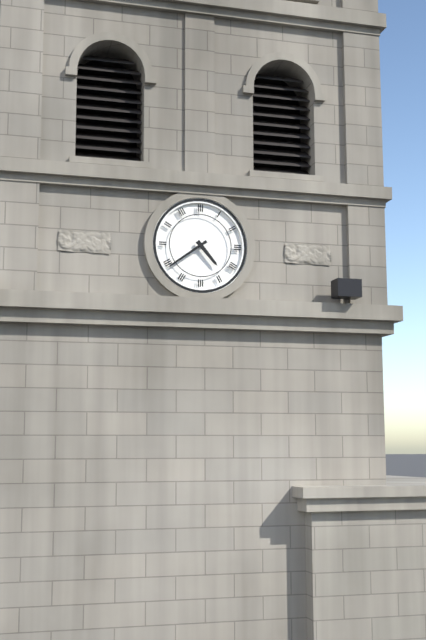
4:39
